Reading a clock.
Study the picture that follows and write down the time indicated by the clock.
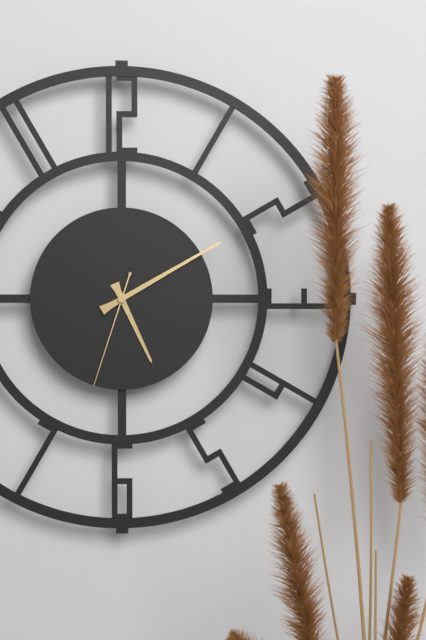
5:10:33
